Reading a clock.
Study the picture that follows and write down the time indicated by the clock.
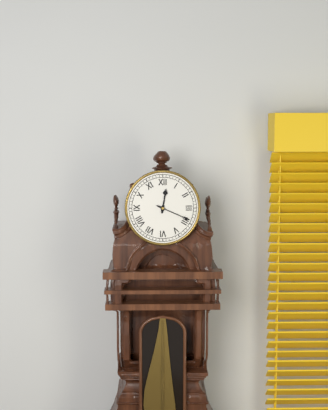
12:19
